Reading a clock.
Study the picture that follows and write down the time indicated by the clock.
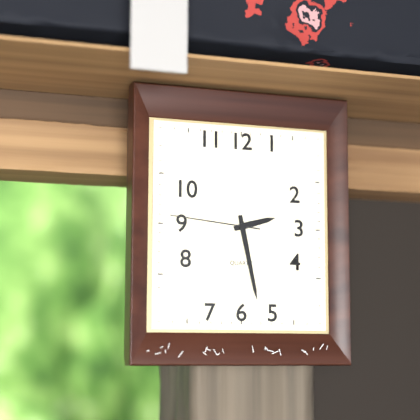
2:28:46
